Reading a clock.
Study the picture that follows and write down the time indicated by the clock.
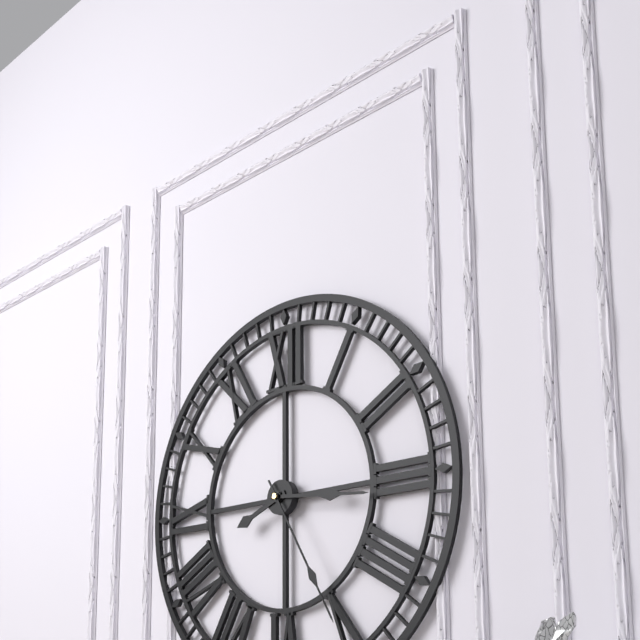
8:16:25
